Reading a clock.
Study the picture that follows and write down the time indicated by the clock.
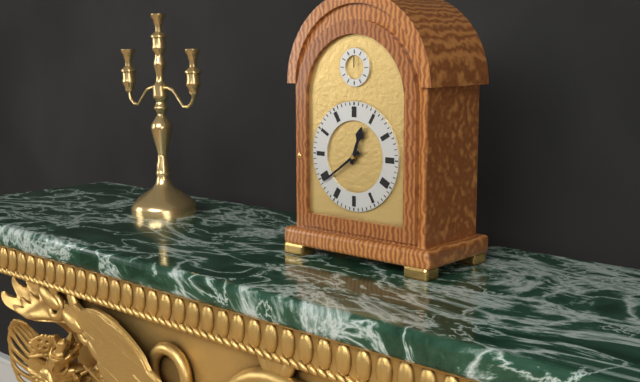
12:39
